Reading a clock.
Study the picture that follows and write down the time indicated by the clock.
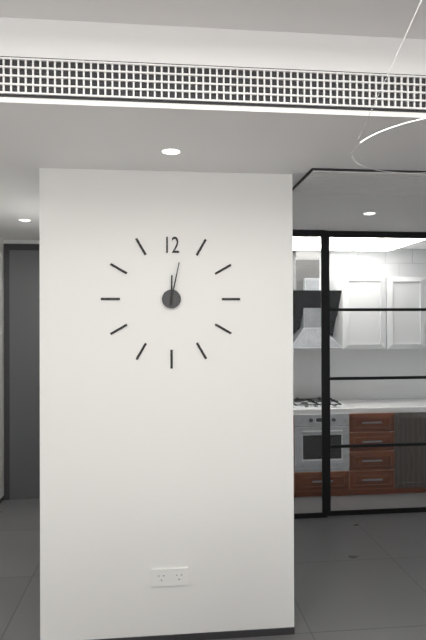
12:02
